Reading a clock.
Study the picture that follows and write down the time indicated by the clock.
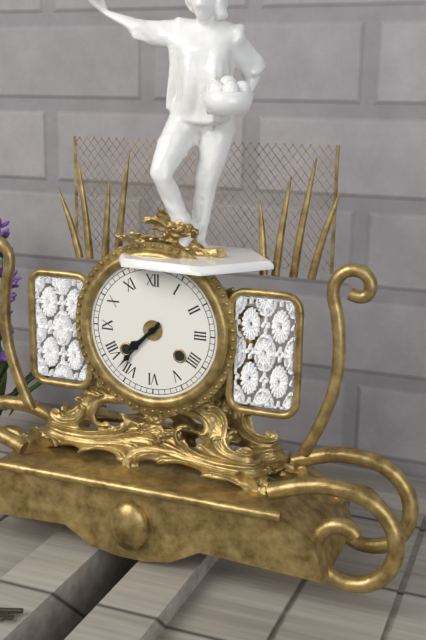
7:37
